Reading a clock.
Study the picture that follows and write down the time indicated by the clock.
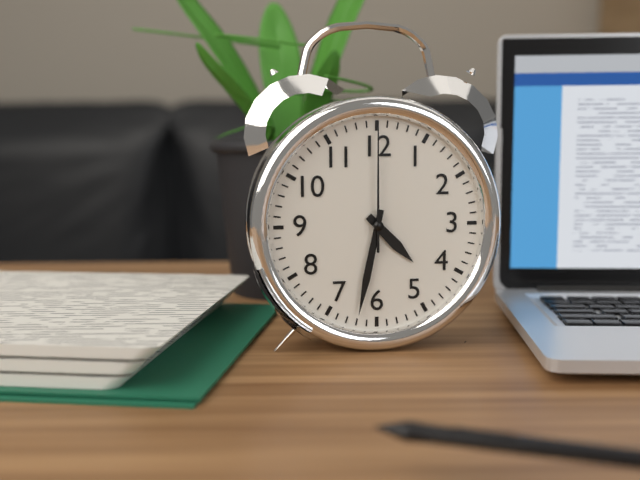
4:32:00
